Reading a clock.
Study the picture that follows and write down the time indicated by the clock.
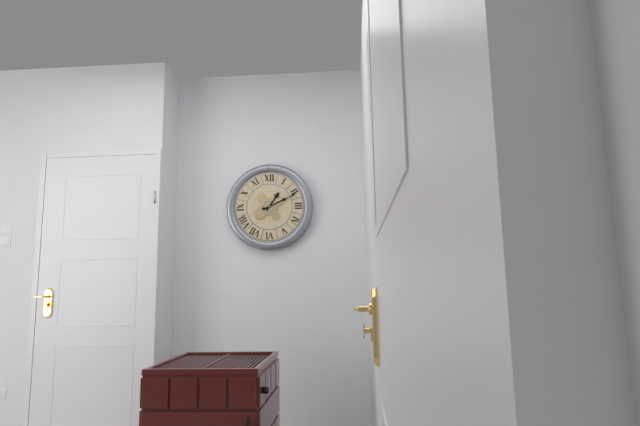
1:11
